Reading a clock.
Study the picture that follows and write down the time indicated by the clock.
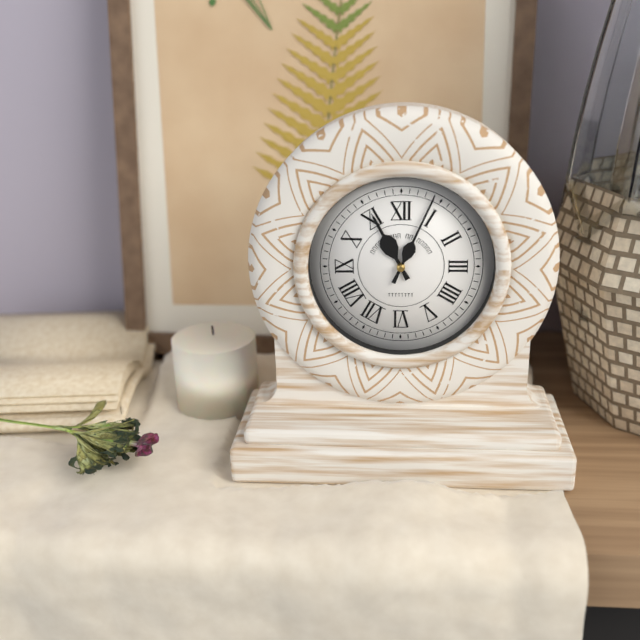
11:04
